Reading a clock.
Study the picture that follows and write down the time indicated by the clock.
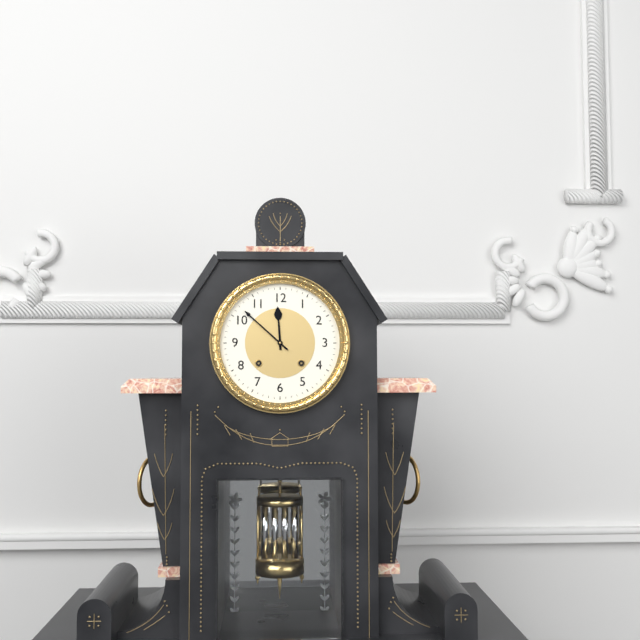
11:52
